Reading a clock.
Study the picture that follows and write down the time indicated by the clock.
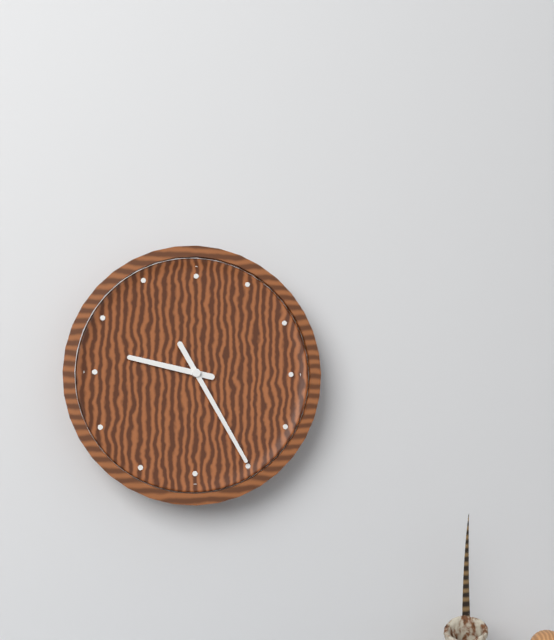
9:25
